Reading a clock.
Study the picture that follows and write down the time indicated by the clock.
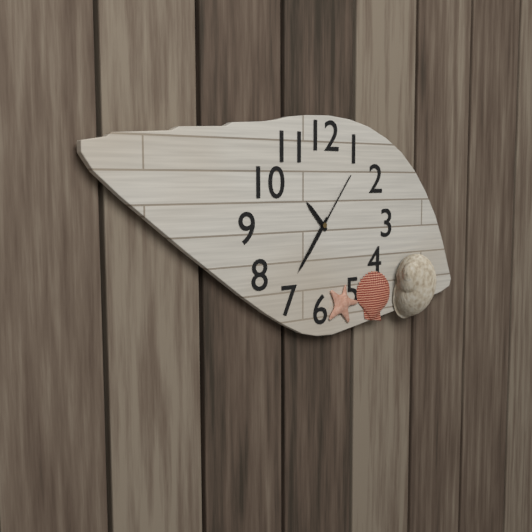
10:36:06
